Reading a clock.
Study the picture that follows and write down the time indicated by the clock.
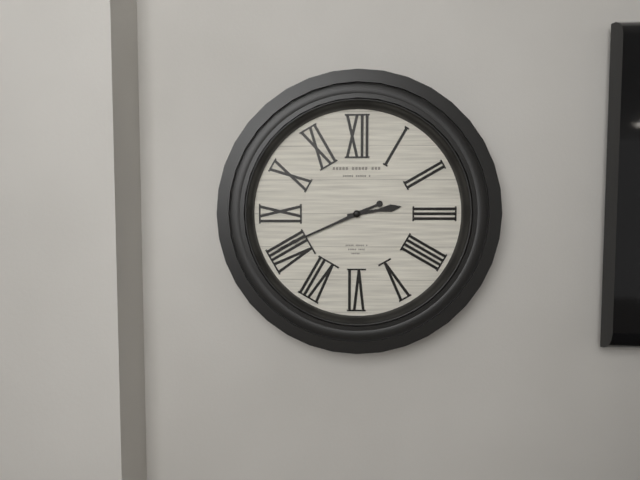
2:41
